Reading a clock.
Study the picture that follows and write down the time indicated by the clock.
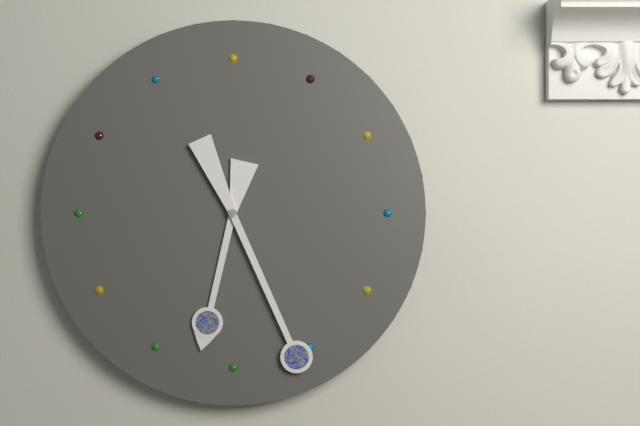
6:26
